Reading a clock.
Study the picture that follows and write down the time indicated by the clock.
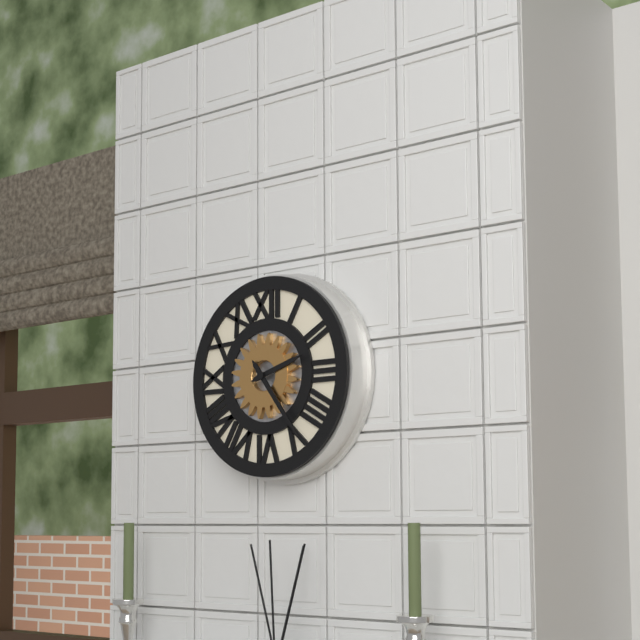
2:24
